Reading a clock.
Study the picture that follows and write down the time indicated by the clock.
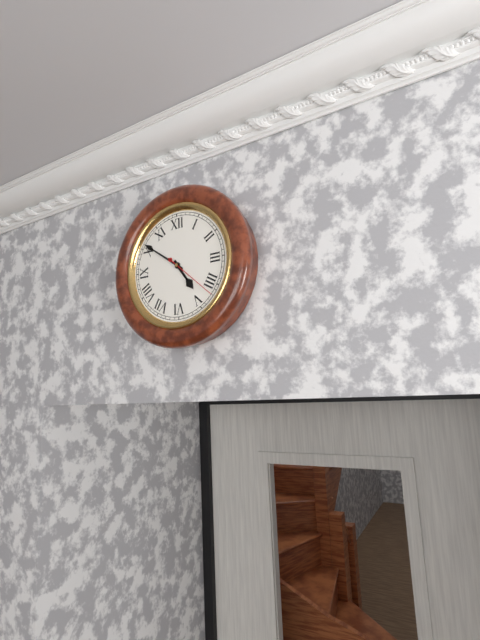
4:51:22
